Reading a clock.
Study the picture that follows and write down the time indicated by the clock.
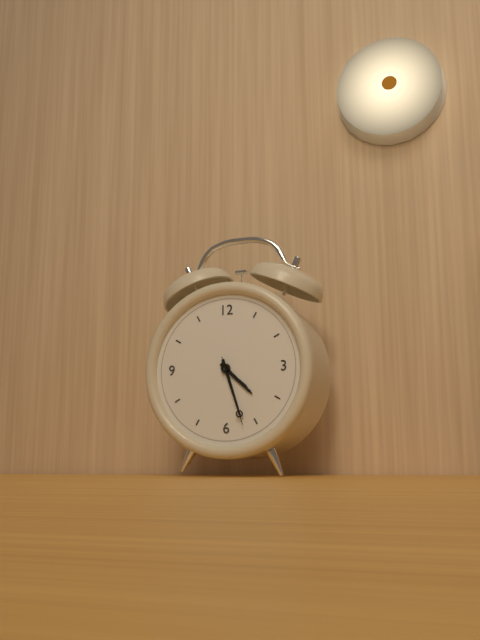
4:27:27
